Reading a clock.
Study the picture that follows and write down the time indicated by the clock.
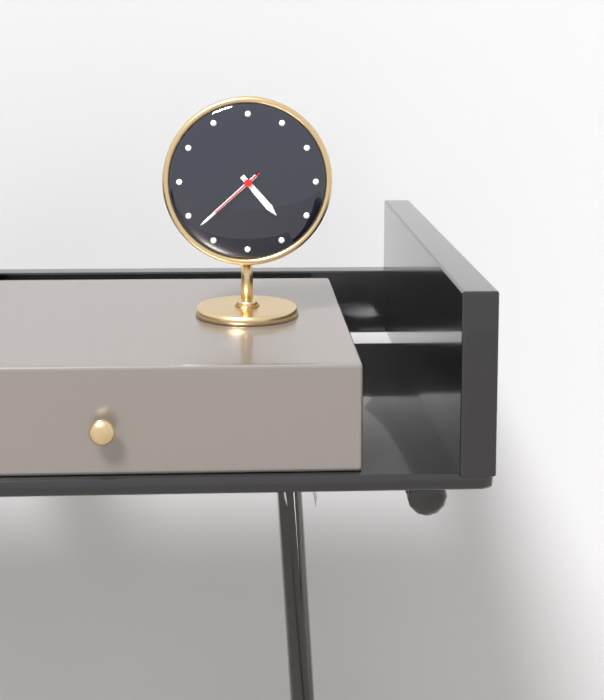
4:38:38
